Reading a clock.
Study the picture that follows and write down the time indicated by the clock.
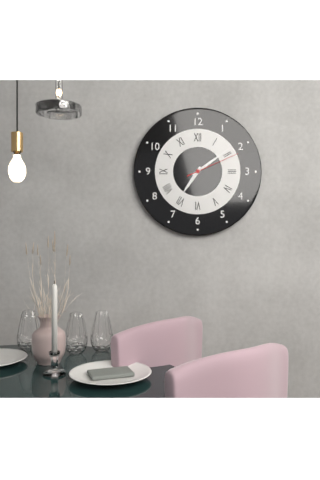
7:09:11
